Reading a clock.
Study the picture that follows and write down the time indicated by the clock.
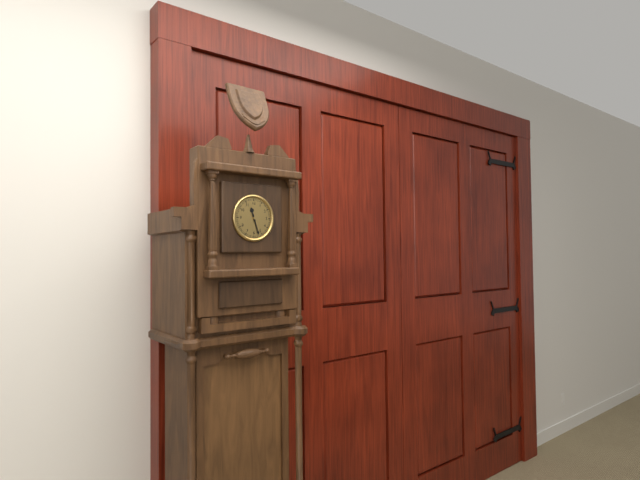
11:27
